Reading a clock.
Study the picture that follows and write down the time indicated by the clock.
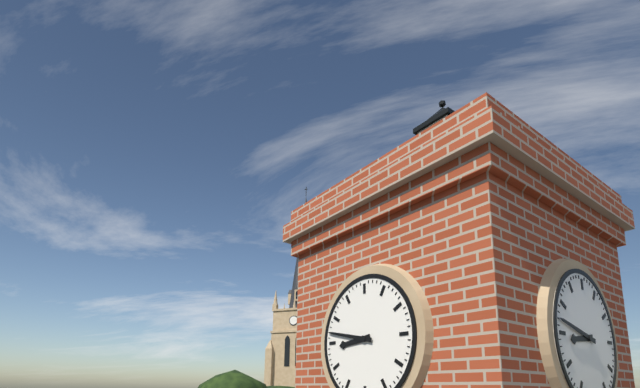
8:47
